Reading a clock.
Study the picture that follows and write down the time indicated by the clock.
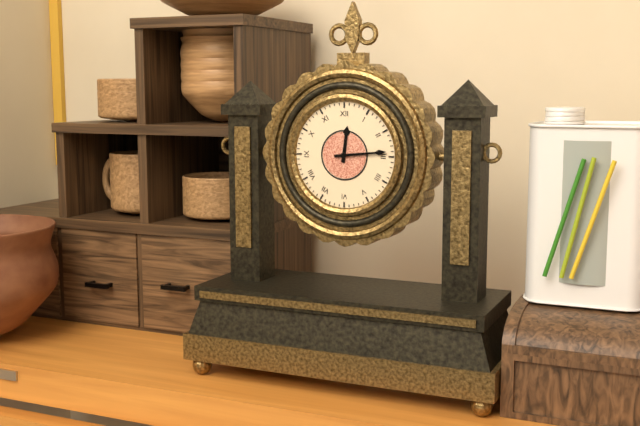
12:14
